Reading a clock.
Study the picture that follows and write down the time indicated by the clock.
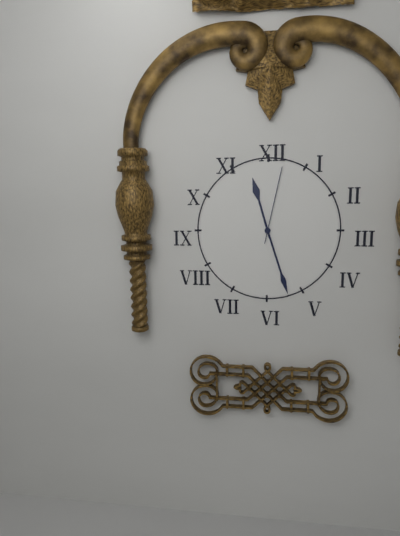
11:27:02
